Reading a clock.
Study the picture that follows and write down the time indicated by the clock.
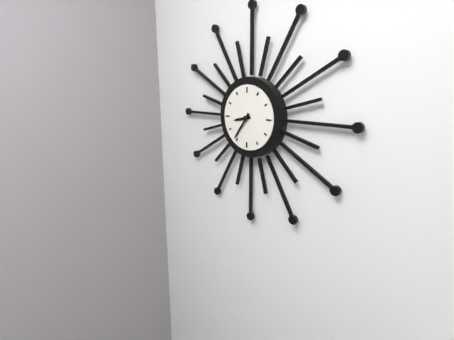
8:36
